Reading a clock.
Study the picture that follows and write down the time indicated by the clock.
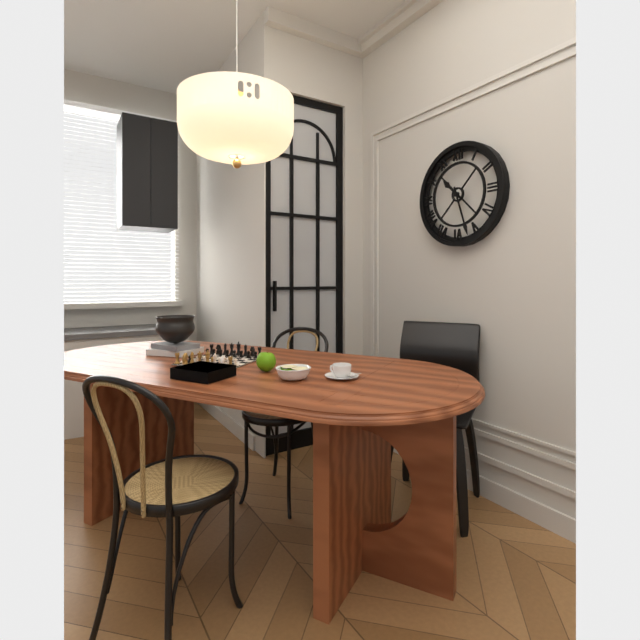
10:27
